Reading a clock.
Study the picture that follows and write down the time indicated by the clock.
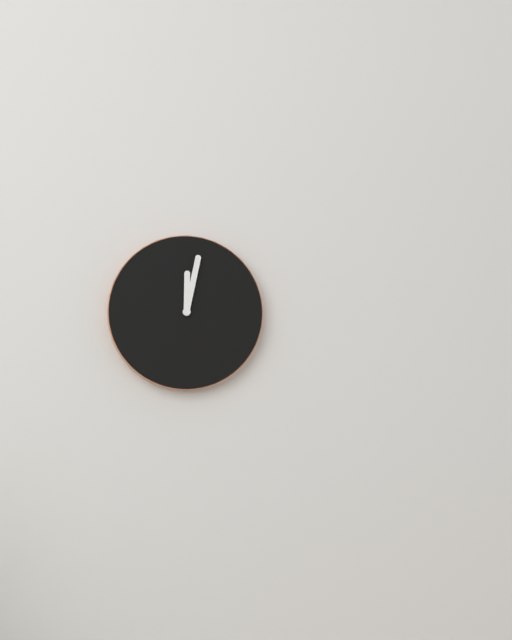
12:02
